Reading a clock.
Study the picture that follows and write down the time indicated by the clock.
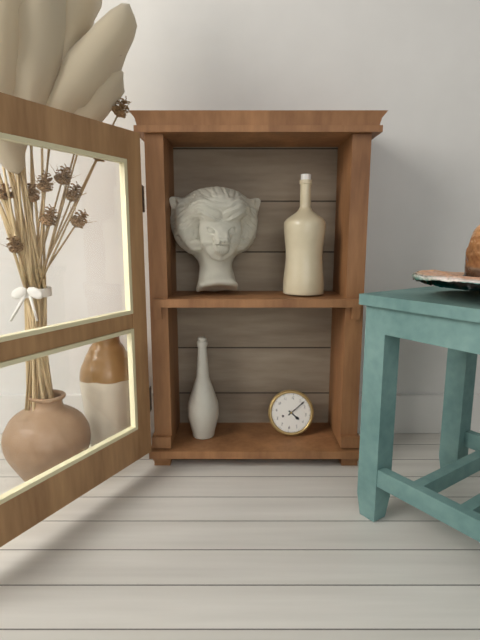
4:07
